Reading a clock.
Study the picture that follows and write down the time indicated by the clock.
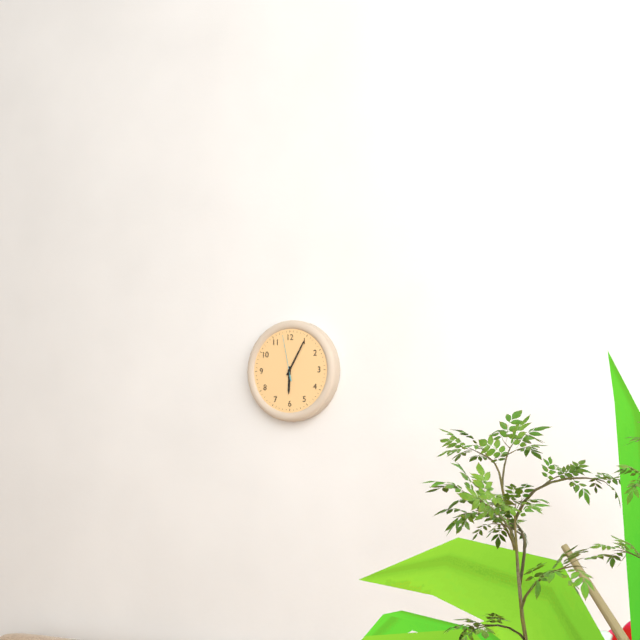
6:05
